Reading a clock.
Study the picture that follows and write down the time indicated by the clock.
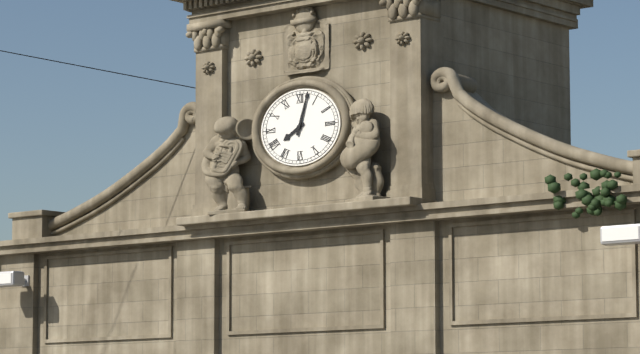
8:03
